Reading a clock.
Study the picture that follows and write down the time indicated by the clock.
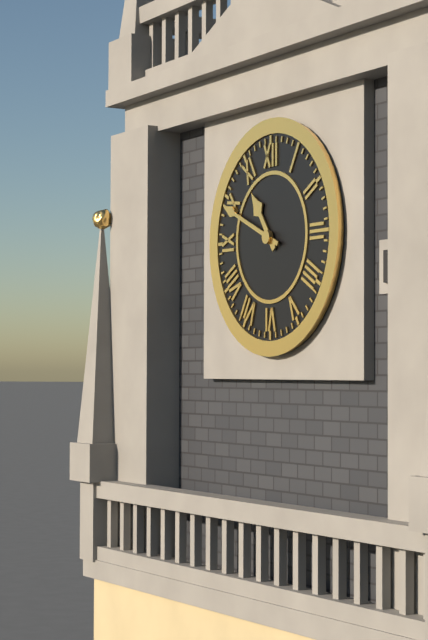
10:49
